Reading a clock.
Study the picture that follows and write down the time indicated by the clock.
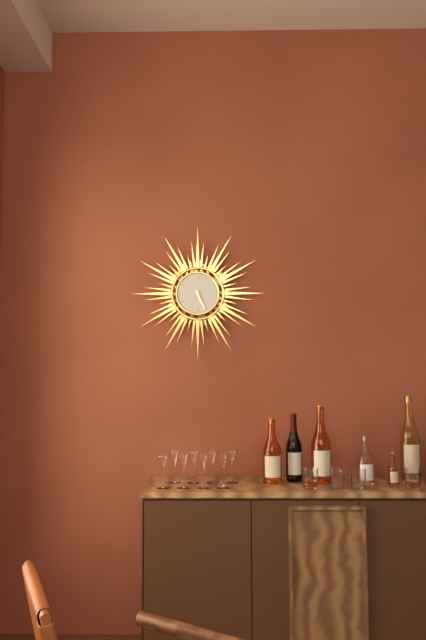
5:26
